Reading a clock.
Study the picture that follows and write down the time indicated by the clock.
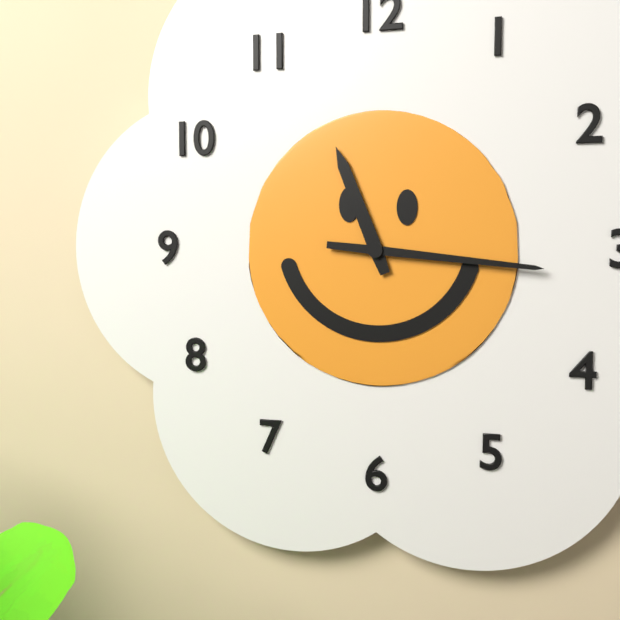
11:16
